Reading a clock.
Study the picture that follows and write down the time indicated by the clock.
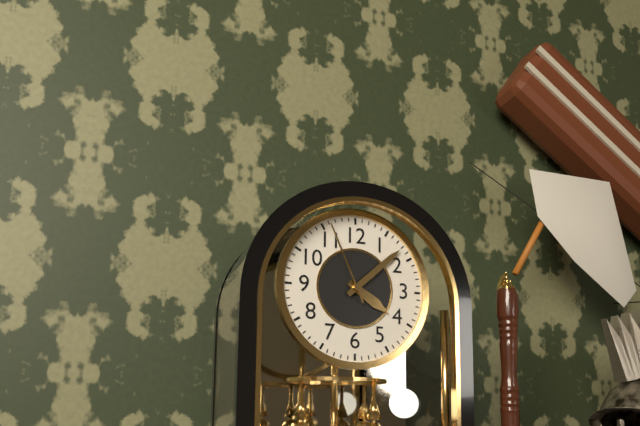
4:08:56
